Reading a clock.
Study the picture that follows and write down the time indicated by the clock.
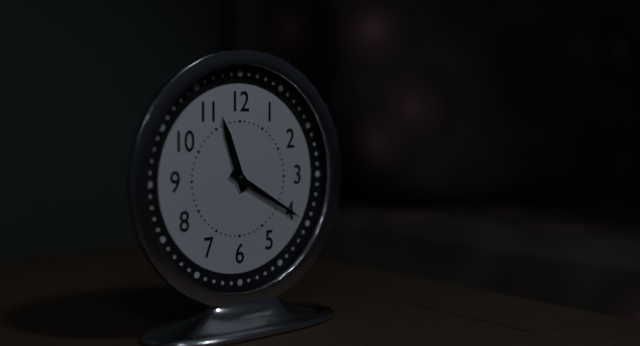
11:20
